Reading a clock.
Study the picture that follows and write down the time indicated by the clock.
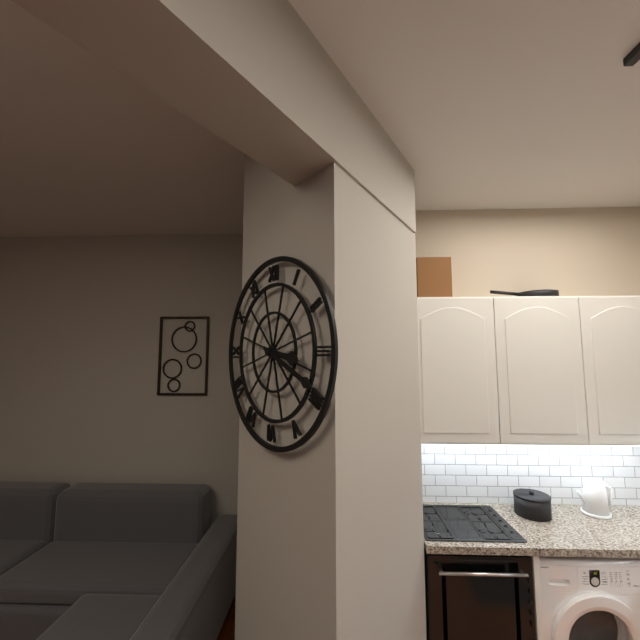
3:19
